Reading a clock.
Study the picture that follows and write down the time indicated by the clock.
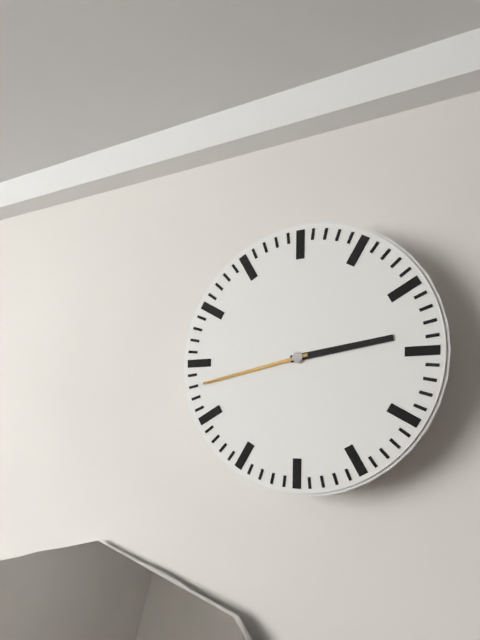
2:43
